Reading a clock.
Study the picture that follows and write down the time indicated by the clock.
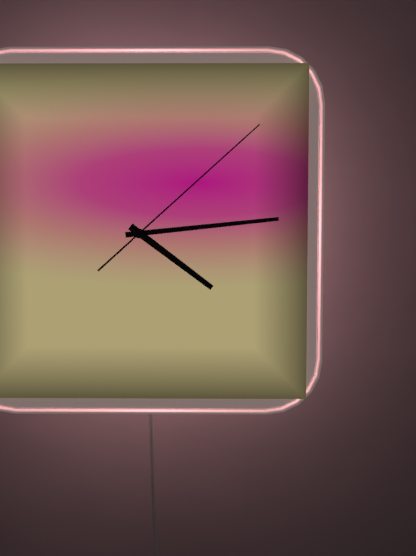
4:14:08
